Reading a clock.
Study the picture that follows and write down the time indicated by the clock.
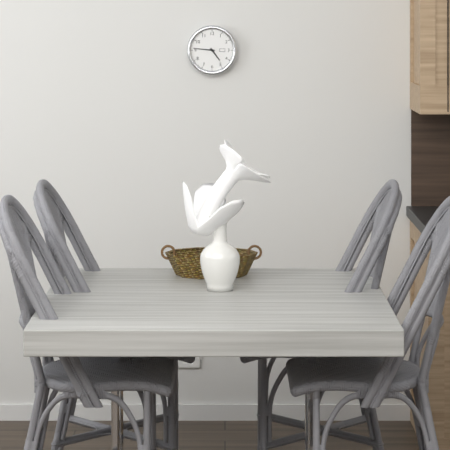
4:46
